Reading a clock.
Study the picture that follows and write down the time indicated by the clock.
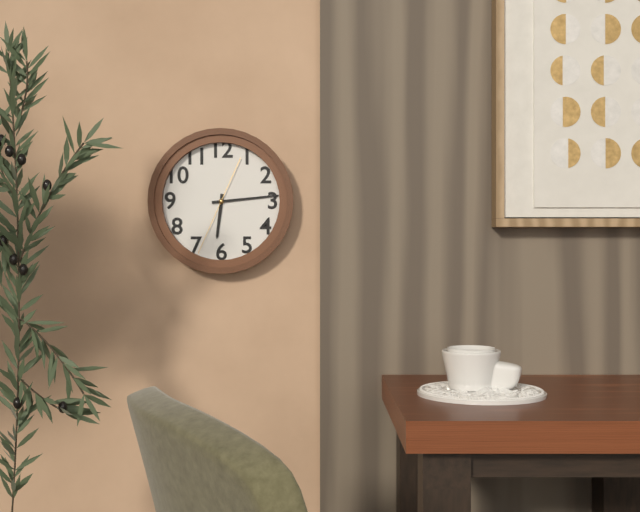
6:14:34
